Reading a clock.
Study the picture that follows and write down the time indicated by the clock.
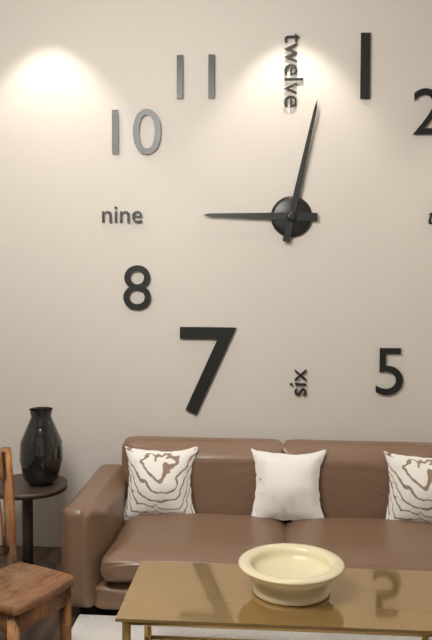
9:02
